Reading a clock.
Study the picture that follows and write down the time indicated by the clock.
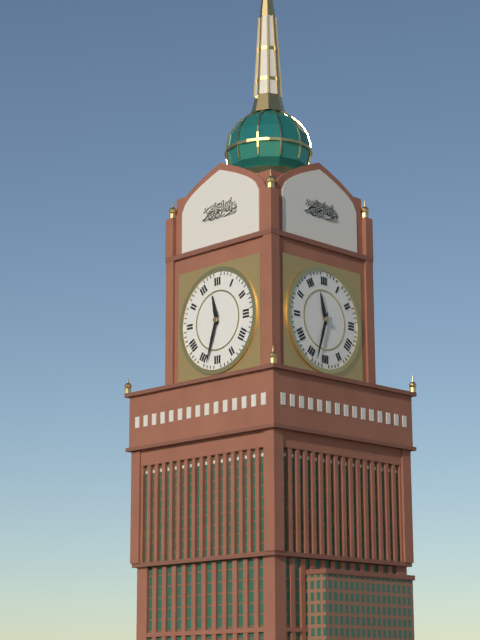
11:33
